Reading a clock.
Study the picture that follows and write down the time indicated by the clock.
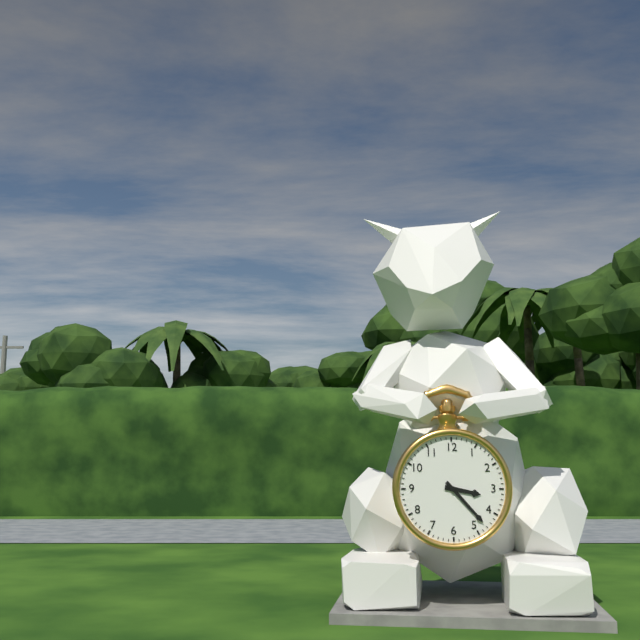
3:23
